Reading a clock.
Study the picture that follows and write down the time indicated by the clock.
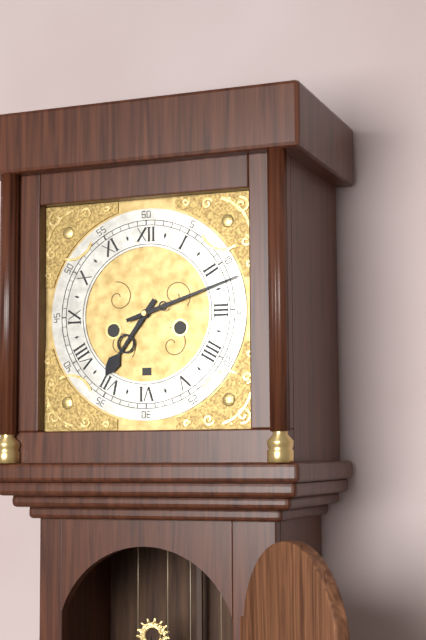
7:12
